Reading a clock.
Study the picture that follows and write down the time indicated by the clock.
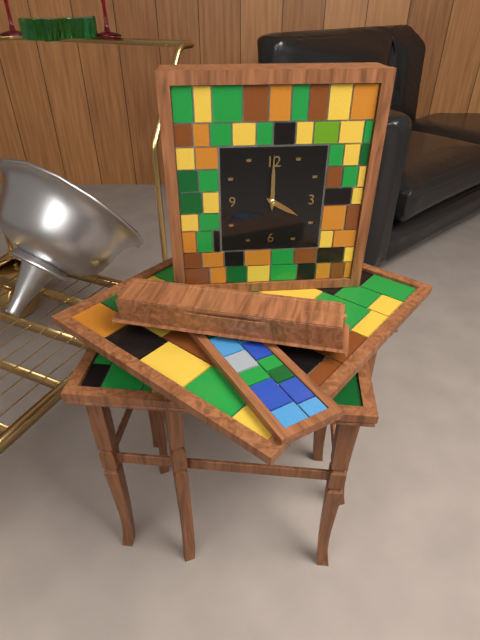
4:00
